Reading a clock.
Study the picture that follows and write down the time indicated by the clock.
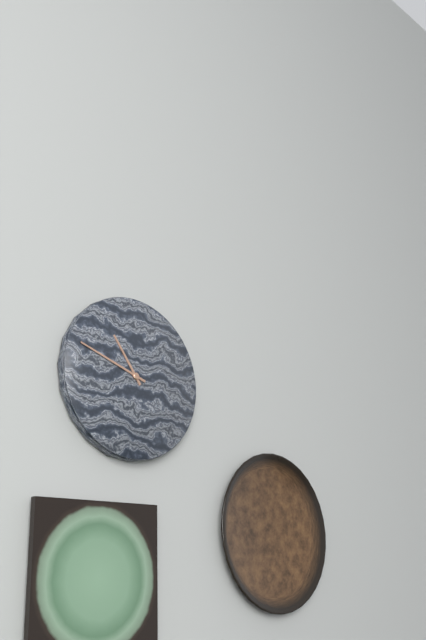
10:48
